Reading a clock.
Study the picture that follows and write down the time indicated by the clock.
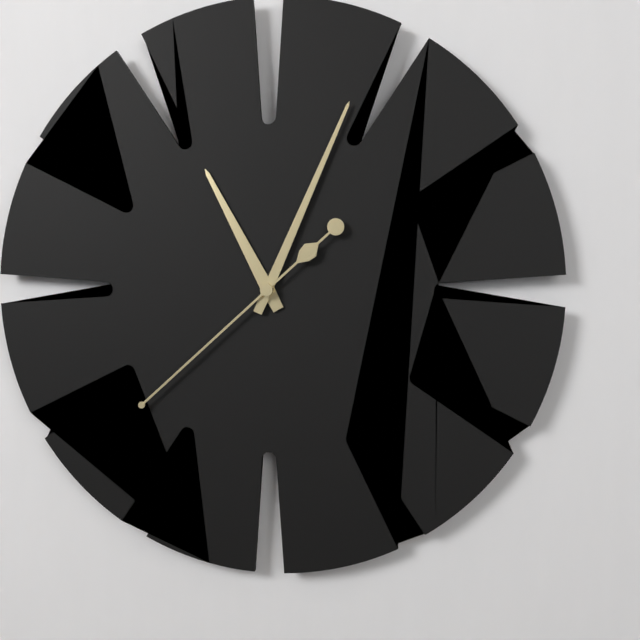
11:04:38
